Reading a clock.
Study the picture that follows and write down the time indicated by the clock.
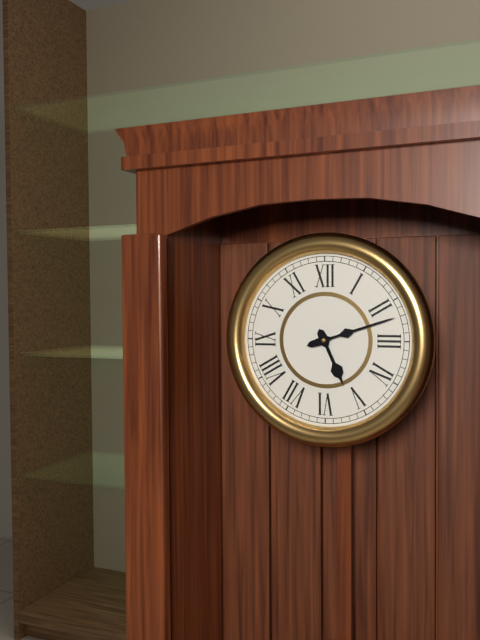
5:12
